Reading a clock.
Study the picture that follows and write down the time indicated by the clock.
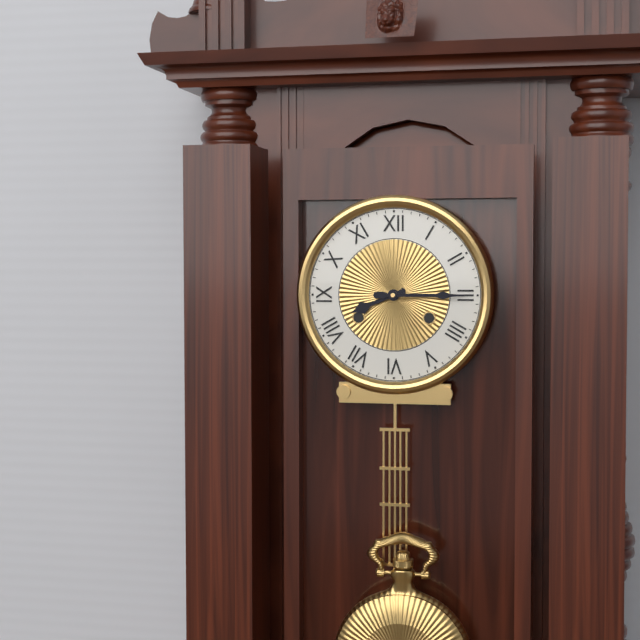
8:15
